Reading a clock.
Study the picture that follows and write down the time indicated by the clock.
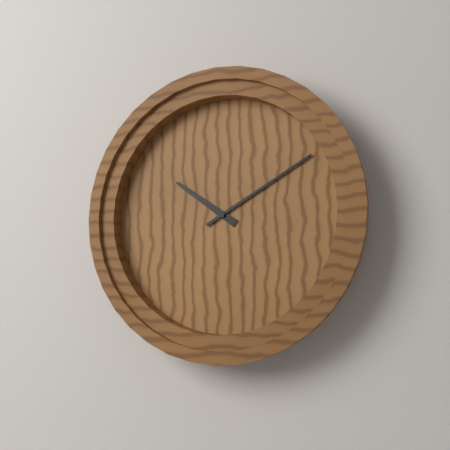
10:10
